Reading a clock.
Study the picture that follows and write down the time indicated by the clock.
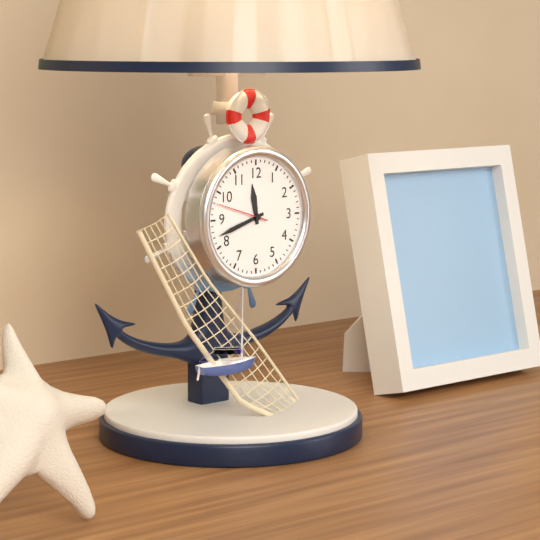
11:42:48
